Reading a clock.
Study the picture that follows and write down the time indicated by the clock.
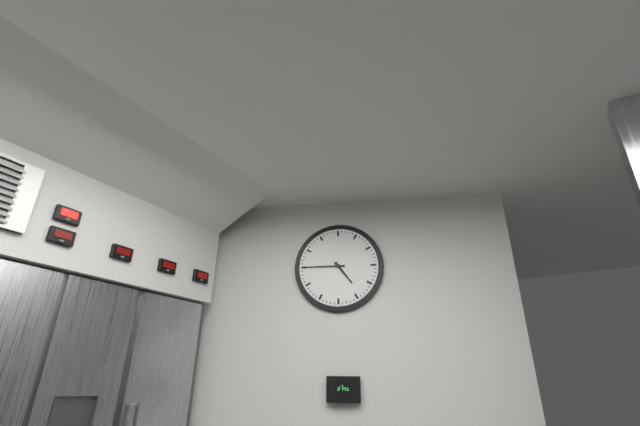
4:45
